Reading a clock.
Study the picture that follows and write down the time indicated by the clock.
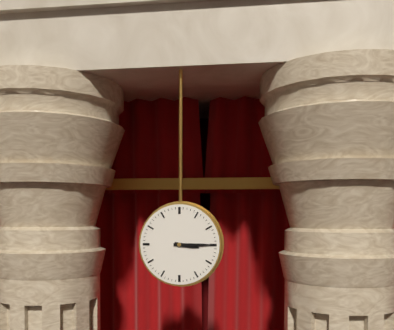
3:15
